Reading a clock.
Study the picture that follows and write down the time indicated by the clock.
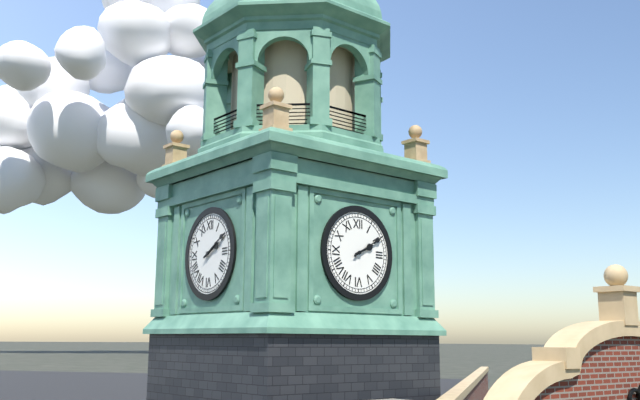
2:10
